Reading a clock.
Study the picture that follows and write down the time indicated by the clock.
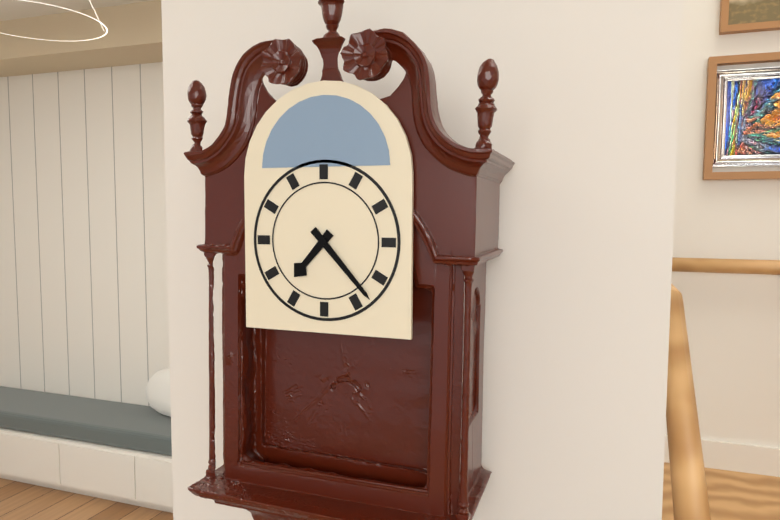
7:23
